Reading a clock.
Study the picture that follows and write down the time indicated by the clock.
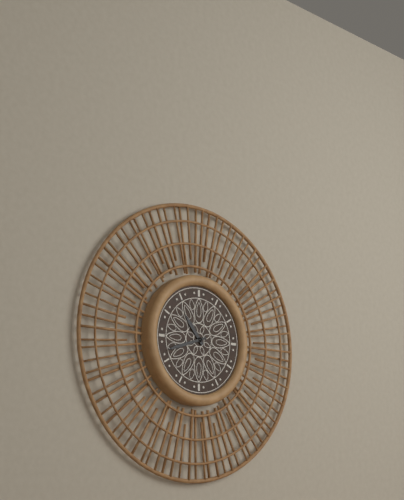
10:42
